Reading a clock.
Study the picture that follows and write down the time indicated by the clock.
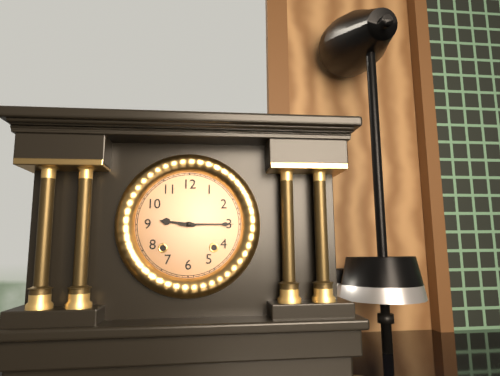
9:15
